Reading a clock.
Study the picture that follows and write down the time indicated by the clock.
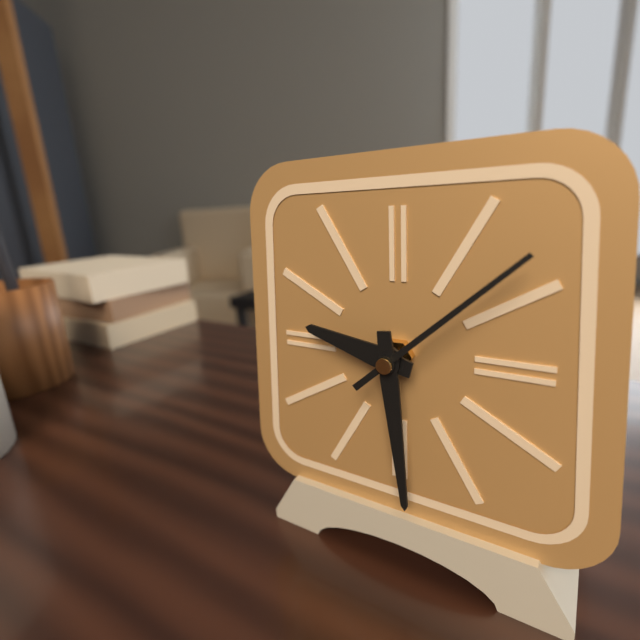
9:29:08
